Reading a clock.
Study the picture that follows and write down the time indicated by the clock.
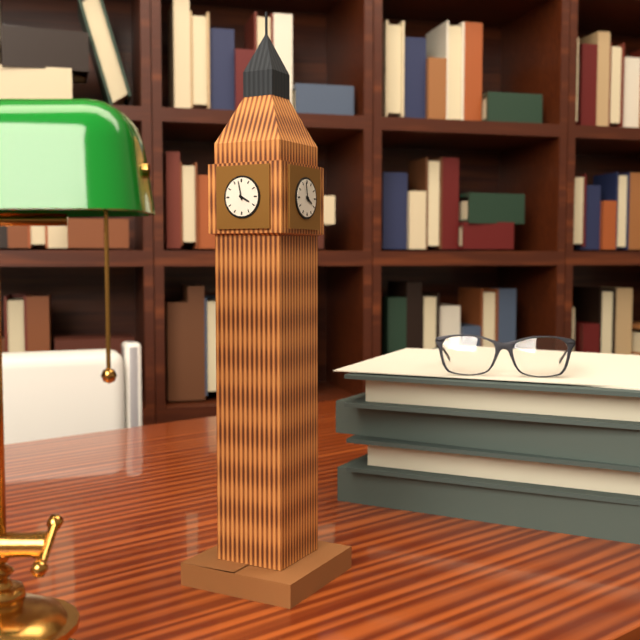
3:58
